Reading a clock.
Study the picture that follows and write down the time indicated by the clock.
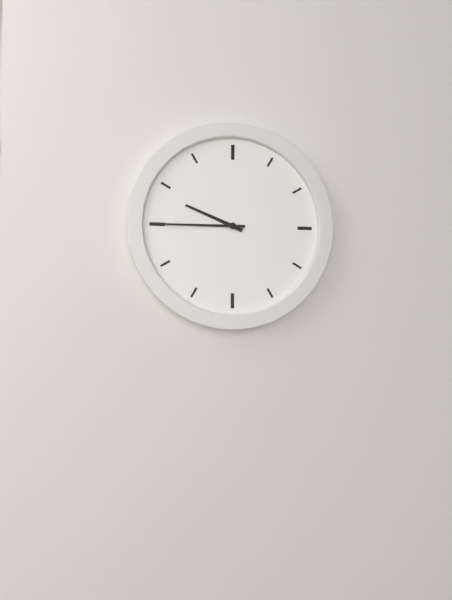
9:45
